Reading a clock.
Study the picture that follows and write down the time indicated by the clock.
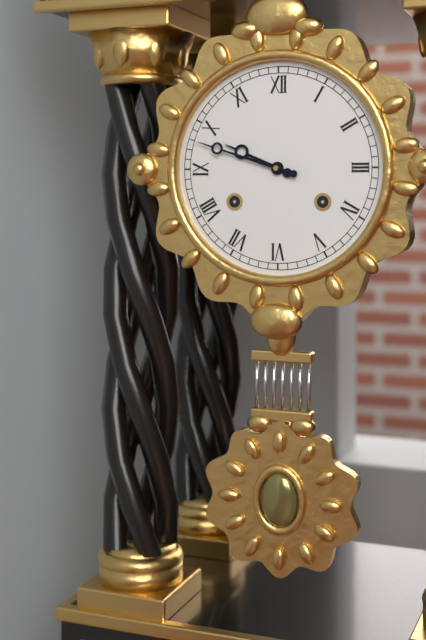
9:48
